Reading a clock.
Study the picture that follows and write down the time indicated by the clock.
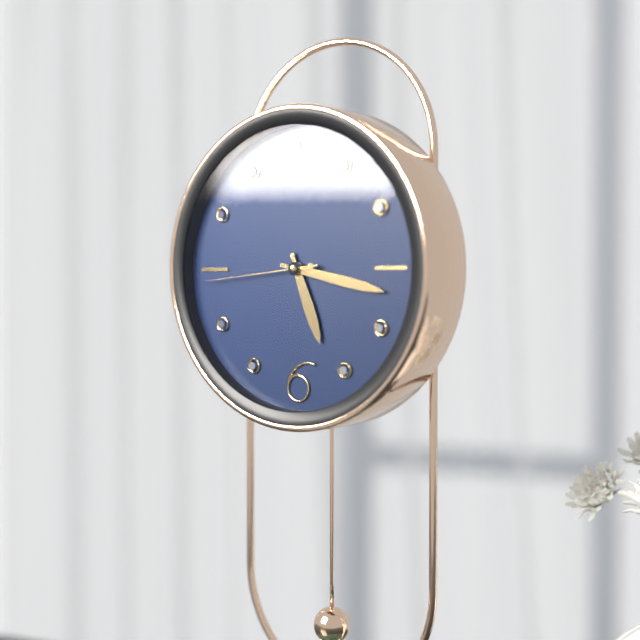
5:17:44
